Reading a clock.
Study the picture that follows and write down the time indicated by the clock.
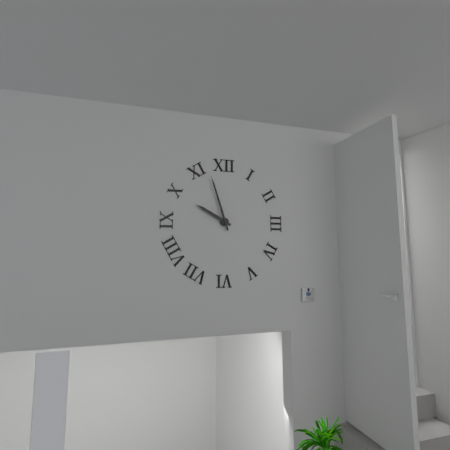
9:57
